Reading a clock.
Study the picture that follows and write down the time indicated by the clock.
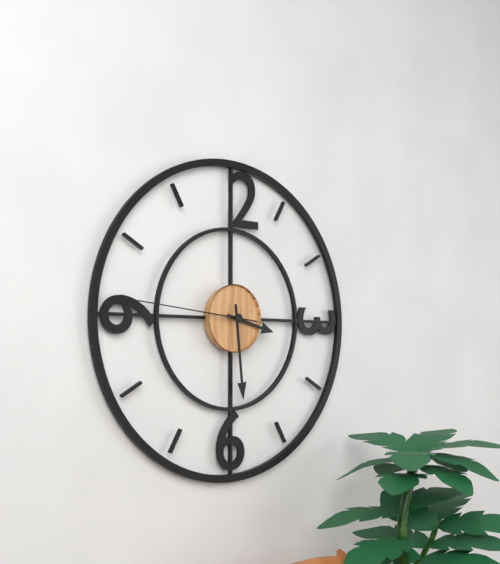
3:29:46
